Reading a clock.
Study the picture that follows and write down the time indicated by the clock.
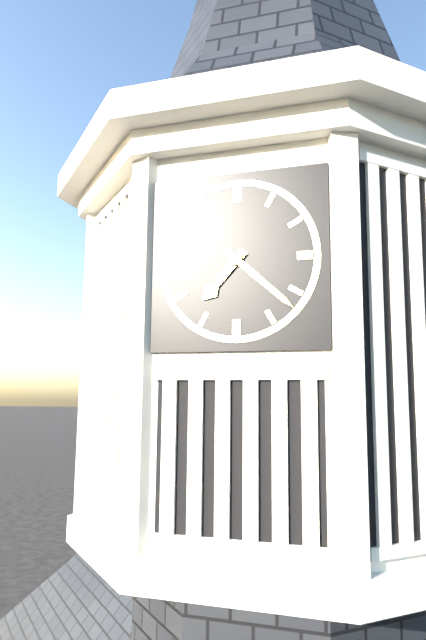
7:22
